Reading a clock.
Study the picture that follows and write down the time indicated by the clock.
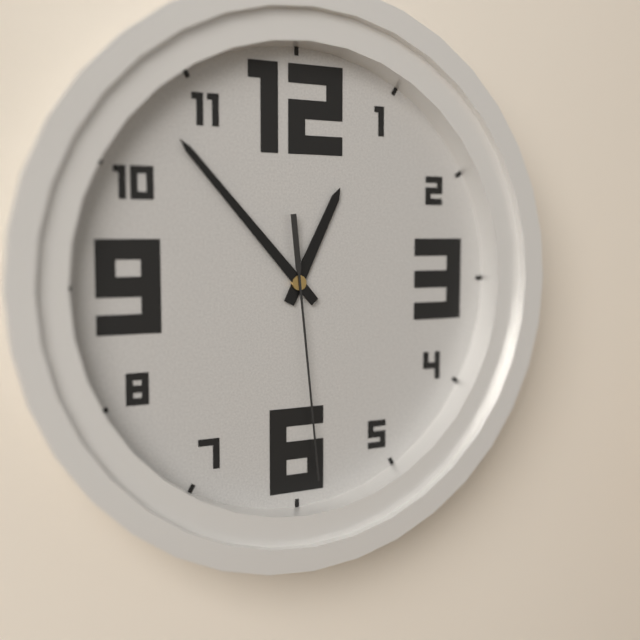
12:53:29
